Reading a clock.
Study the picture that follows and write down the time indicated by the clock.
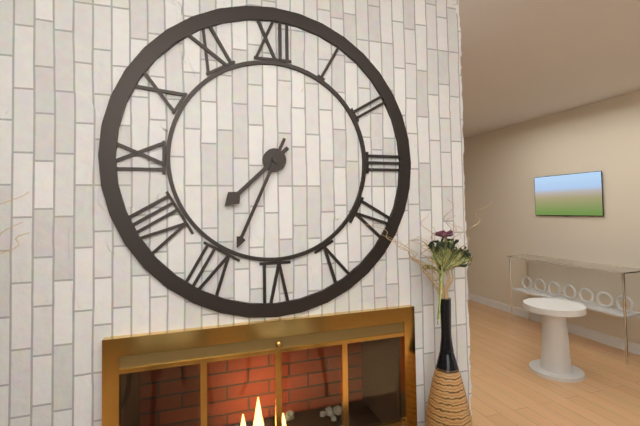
7:34
